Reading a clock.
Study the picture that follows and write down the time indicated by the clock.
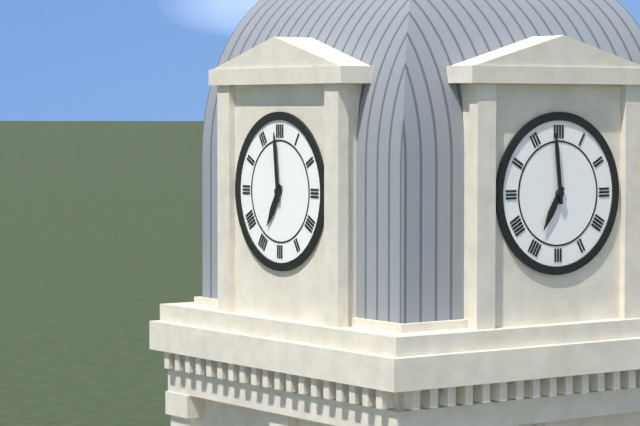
6:59
